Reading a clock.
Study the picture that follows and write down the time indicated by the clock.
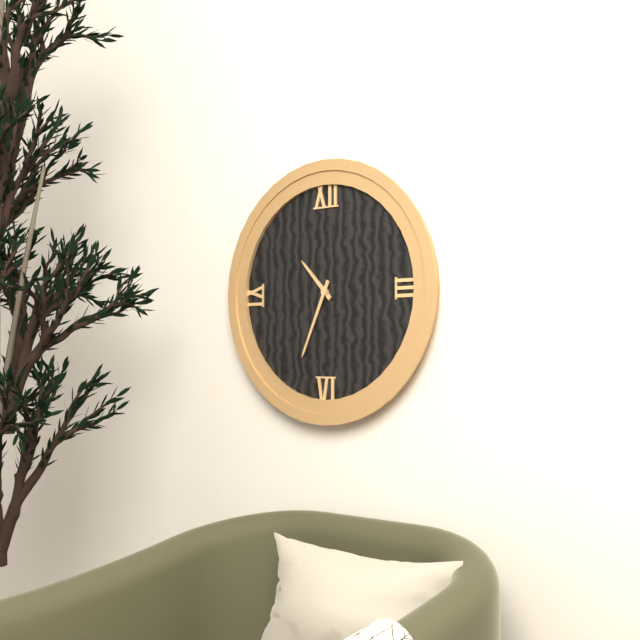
10:34
